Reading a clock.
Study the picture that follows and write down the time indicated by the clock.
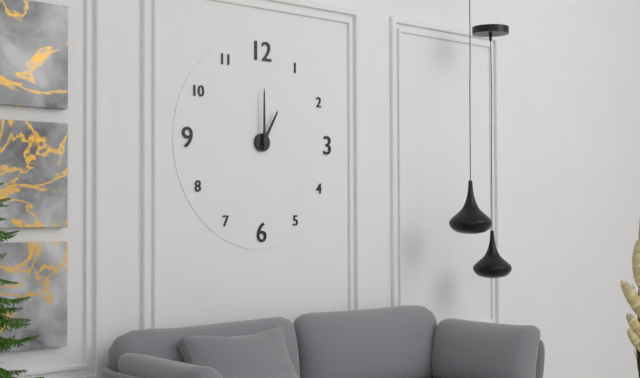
1:00
